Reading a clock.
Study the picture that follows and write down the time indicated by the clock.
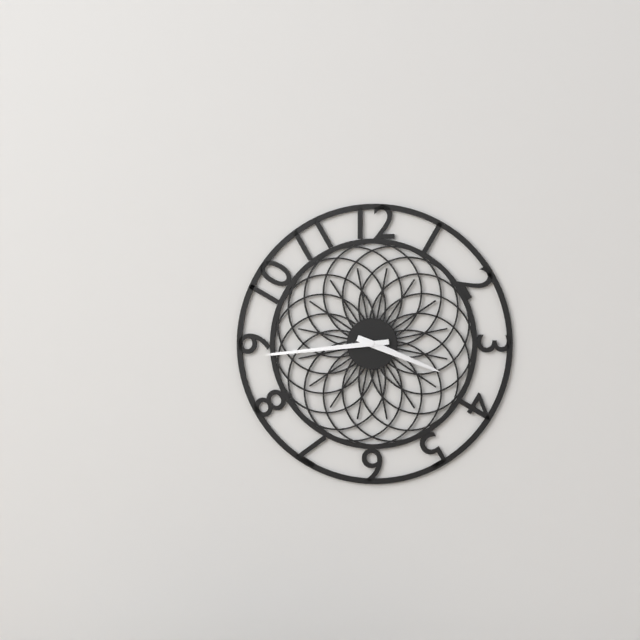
3:44
